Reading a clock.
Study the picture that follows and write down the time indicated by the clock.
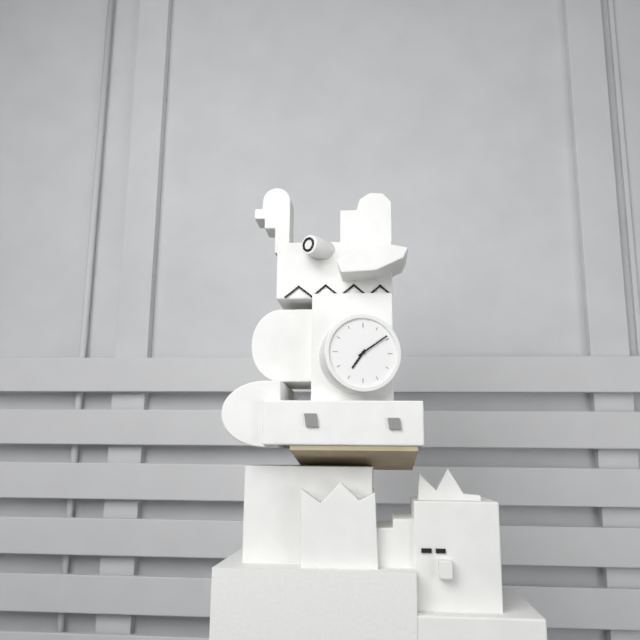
7:09
